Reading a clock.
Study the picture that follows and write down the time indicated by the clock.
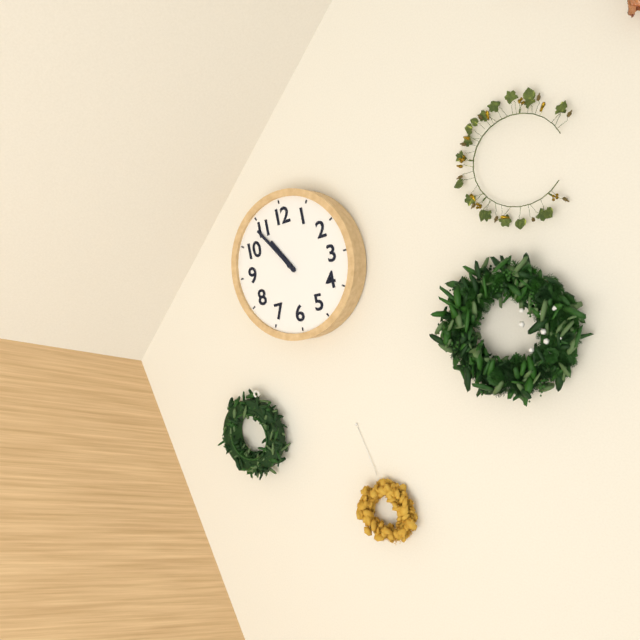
10:54
